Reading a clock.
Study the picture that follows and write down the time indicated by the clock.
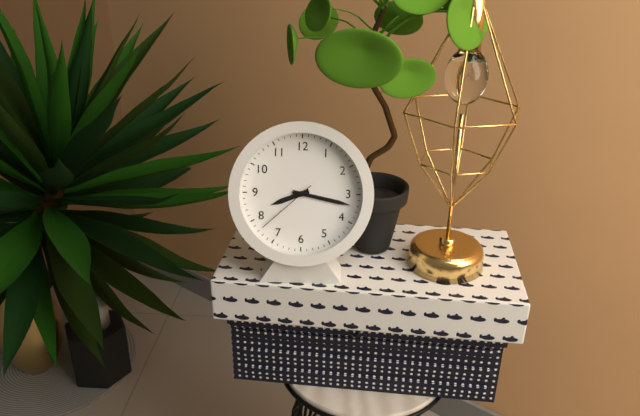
8:17:38
